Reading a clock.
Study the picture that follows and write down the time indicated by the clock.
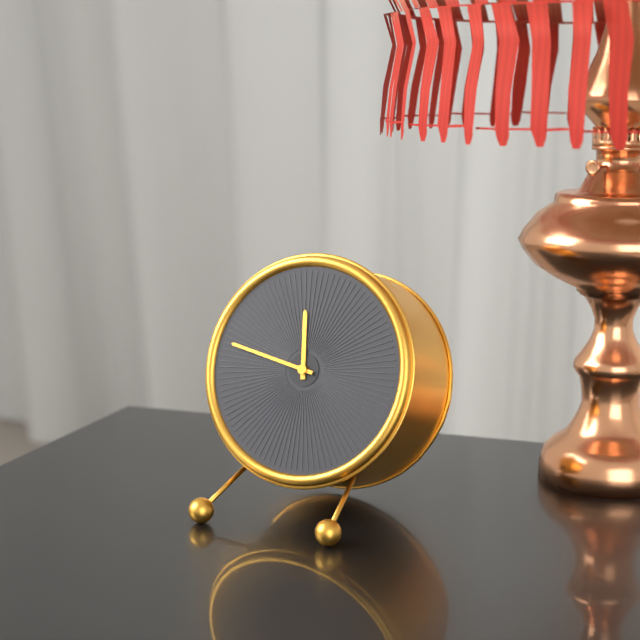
11:47
